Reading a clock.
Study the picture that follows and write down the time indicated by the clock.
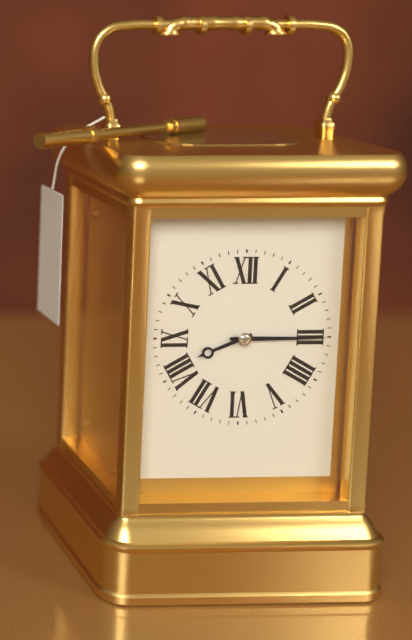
8:15
